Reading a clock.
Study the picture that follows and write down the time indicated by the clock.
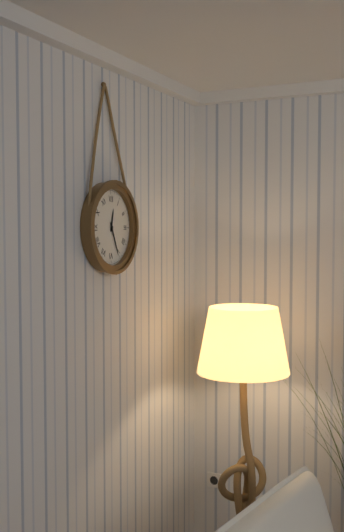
12:26
